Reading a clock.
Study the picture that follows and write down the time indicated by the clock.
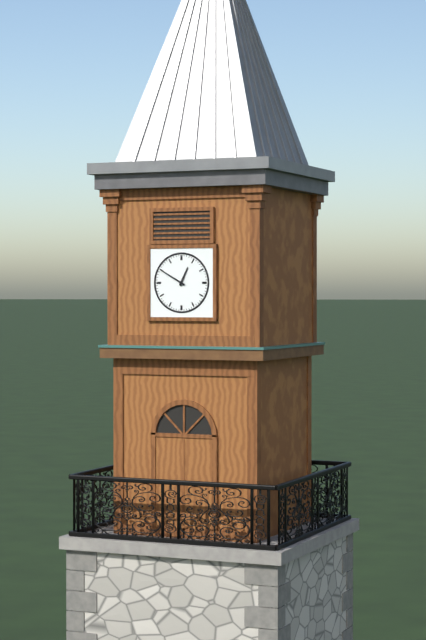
12:50
